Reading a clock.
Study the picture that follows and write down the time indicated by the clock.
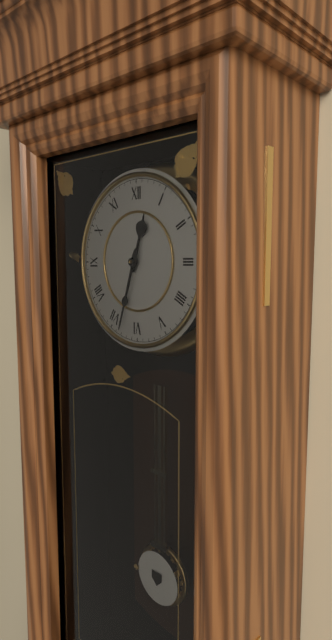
12:33
